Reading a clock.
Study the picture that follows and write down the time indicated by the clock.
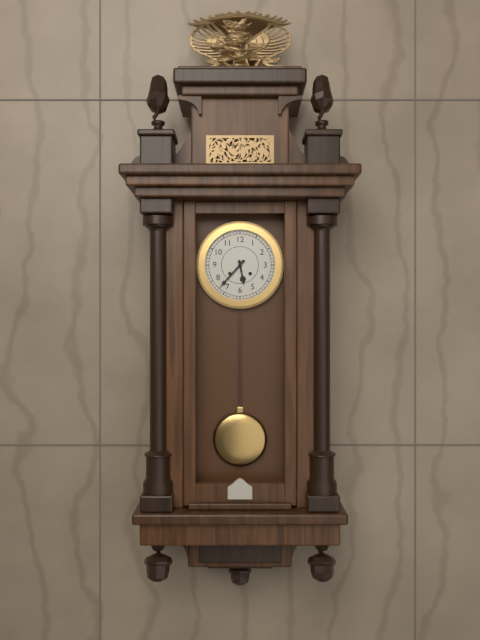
5:37
